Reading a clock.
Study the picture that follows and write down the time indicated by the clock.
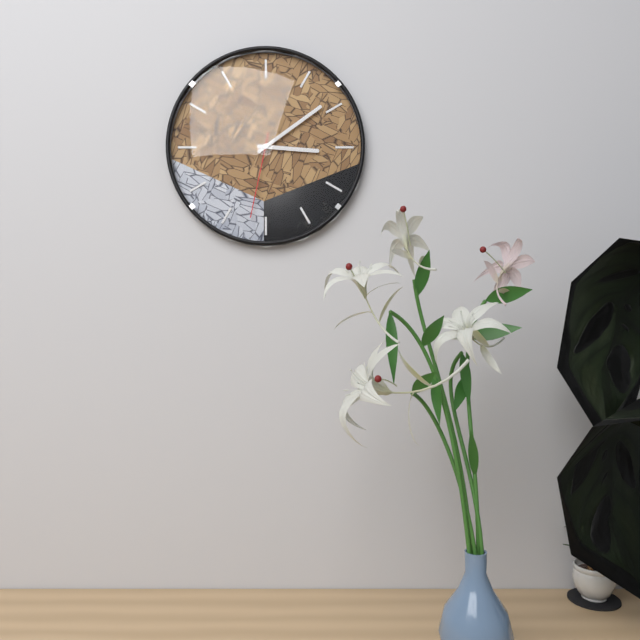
3:09:32
